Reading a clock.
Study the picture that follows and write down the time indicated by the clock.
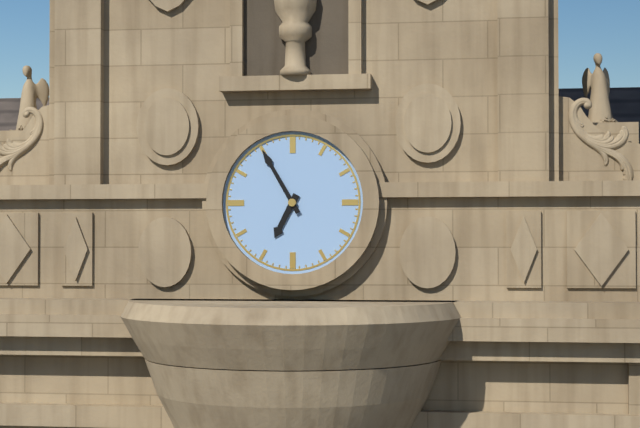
6:55
